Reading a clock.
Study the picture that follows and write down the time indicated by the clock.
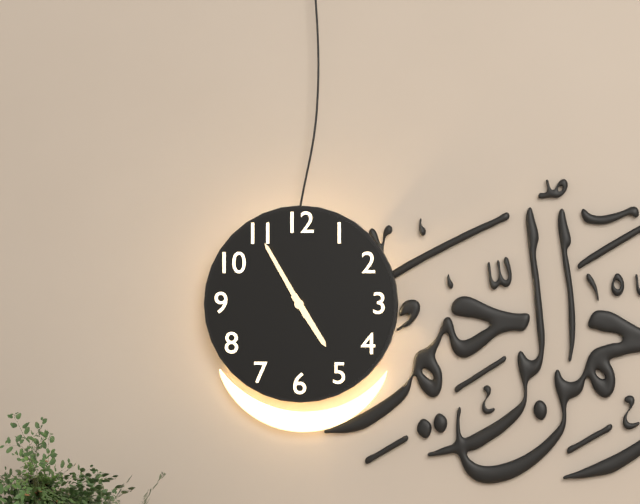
4:55
